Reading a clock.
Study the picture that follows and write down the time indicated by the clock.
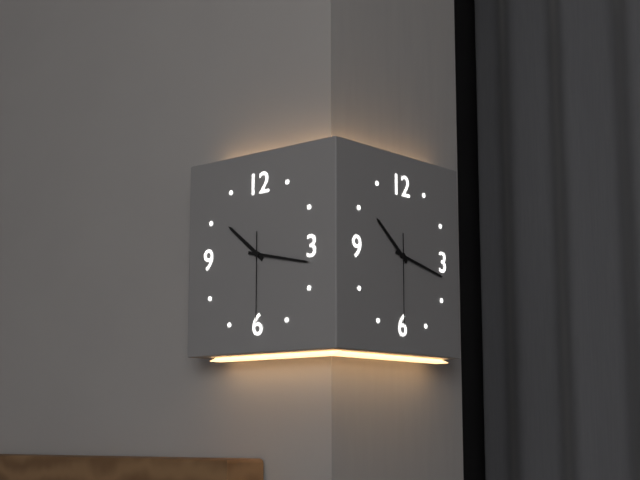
10:17:30
